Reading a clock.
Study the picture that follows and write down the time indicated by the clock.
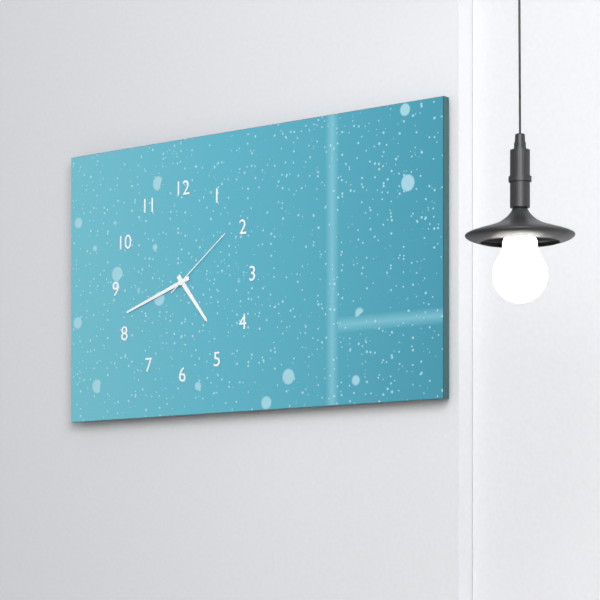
4:42:09
